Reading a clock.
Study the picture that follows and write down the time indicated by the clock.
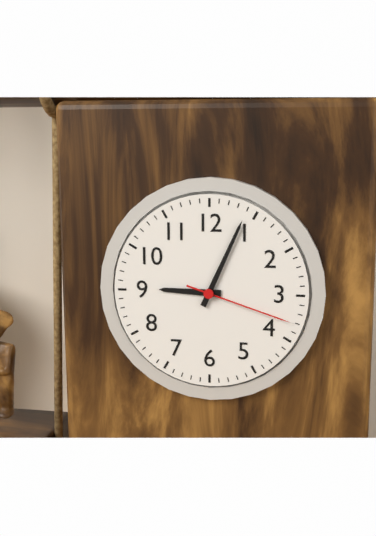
9:04:18
